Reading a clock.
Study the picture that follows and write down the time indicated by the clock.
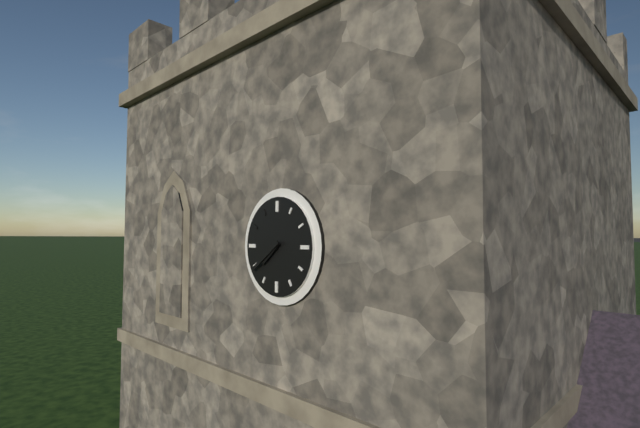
7:39
